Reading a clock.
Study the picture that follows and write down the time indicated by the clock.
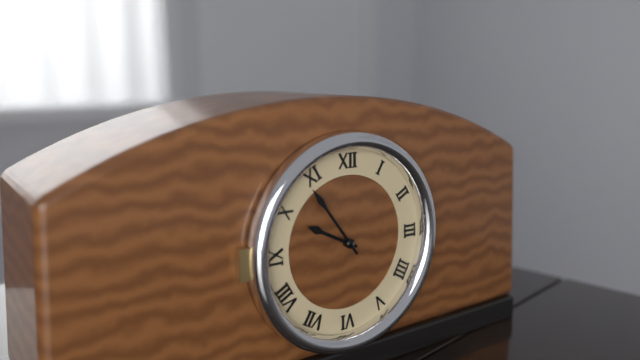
9:54
